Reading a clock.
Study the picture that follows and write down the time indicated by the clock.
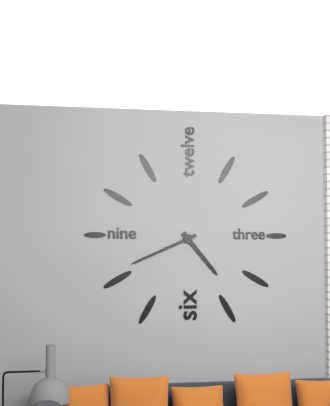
4:41
